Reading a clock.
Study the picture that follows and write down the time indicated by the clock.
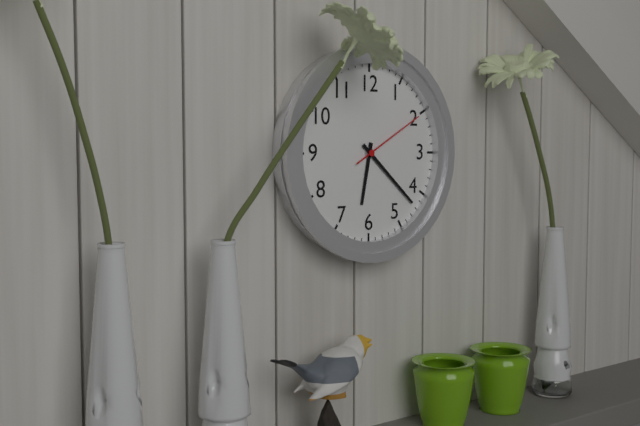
6:22:10
